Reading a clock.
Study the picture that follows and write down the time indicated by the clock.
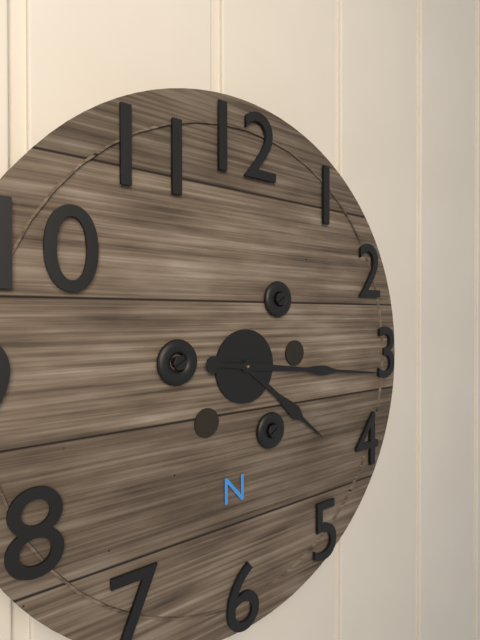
4:16
